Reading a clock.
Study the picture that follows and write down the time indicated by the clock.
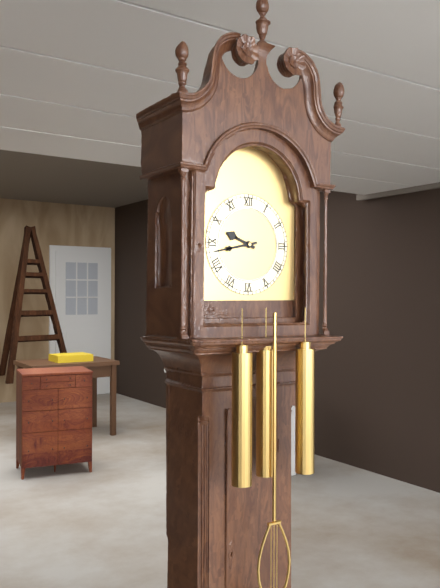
9:43
